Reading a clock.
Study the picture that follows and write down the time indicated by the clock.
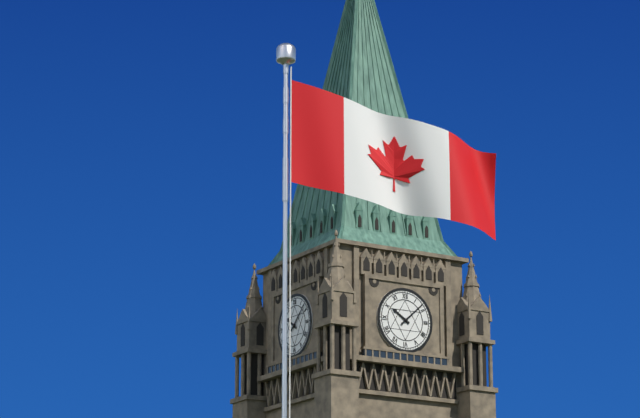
10:08
